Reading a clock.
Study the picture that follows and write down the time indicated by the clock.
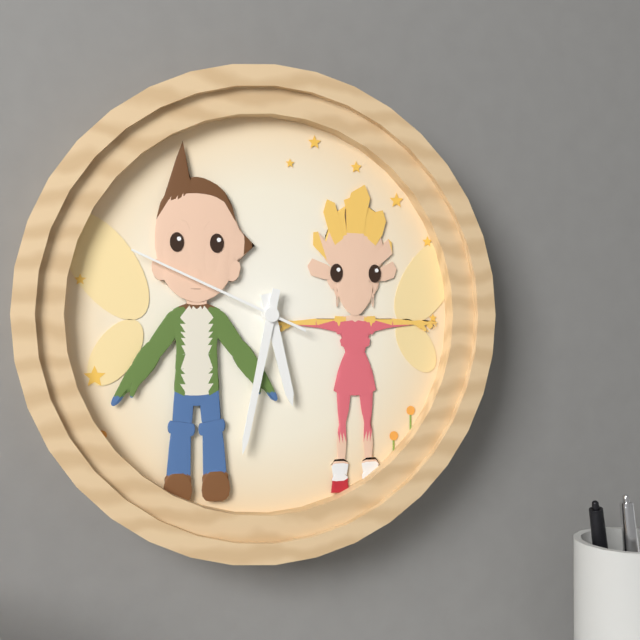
5:32:49
